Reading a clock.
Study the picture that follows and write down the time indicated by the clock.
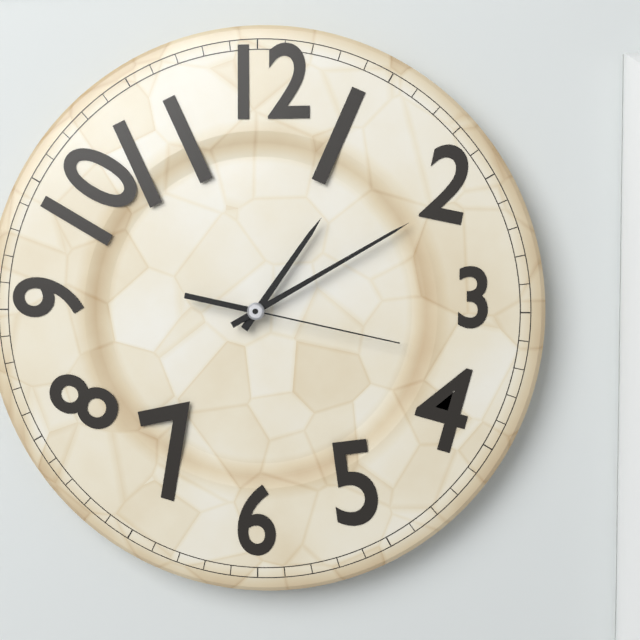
1:10:17
